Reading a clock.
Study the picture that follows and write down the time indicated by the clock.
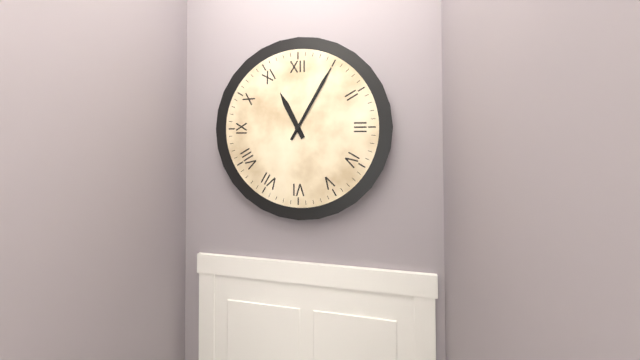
11:05
